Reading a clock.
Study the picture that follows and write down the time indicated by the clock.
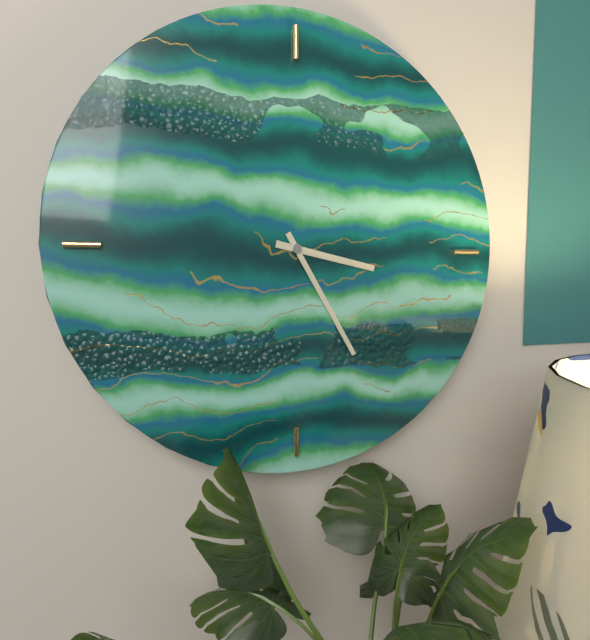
3:25
